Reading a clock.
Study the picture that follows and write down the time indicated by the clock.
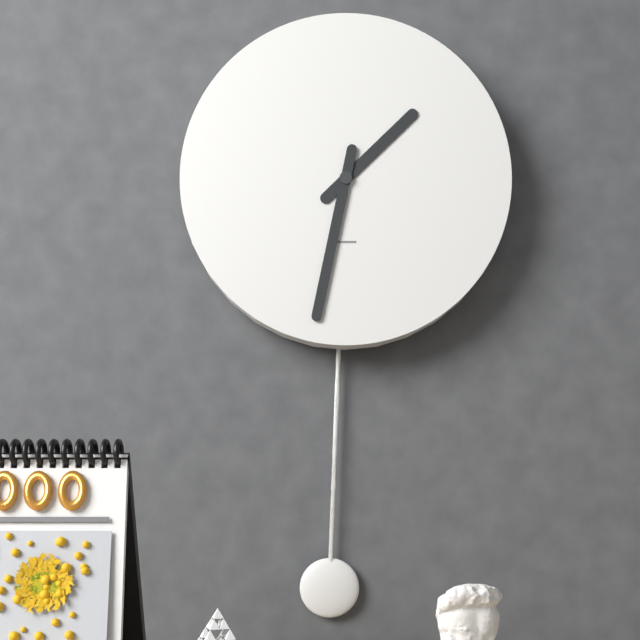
1:32
